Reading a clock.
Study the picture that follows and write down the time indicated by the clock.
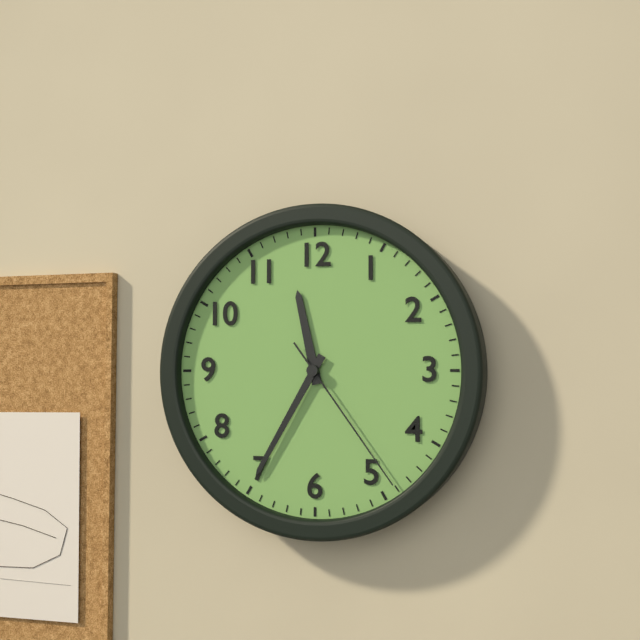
11:35:24
